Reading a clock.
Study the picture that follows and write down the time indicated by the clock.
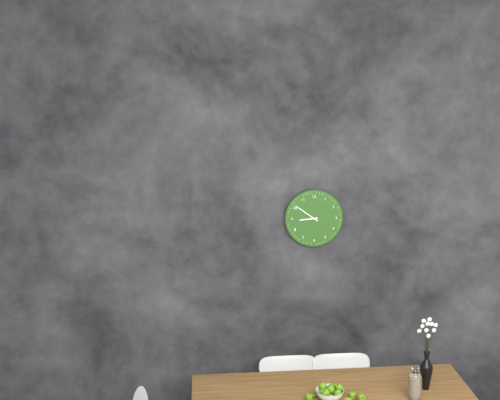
8:51
